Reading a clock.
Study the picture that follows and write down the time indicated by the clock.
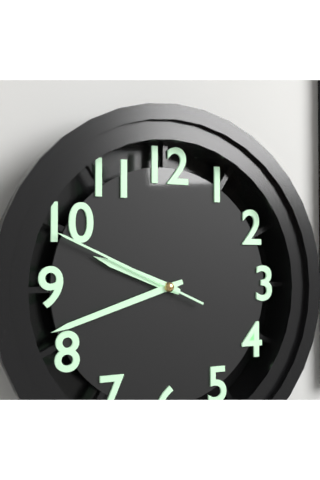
9:42:49
